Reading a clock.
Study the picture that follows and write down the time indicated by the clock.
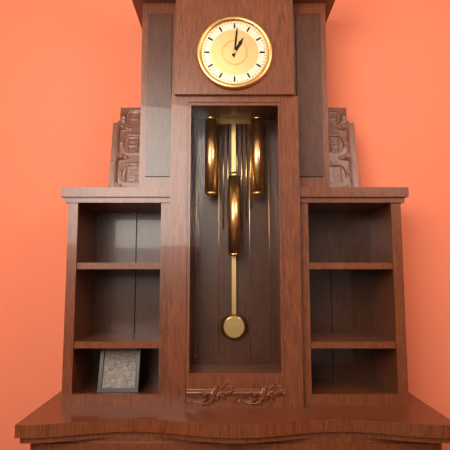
1:01
